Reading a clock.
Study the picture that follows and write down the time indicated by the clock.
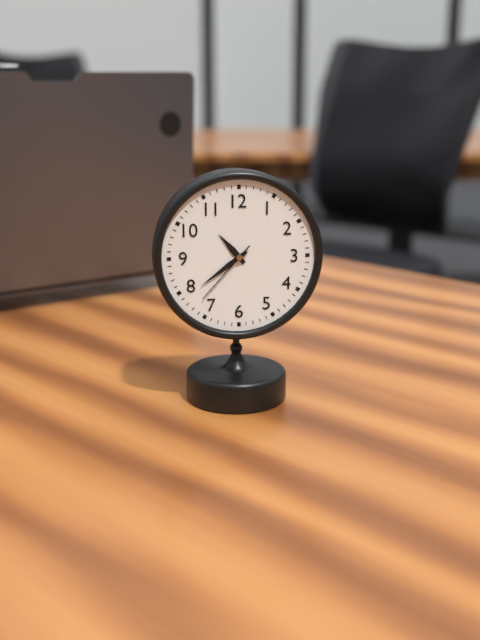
10:39:37
